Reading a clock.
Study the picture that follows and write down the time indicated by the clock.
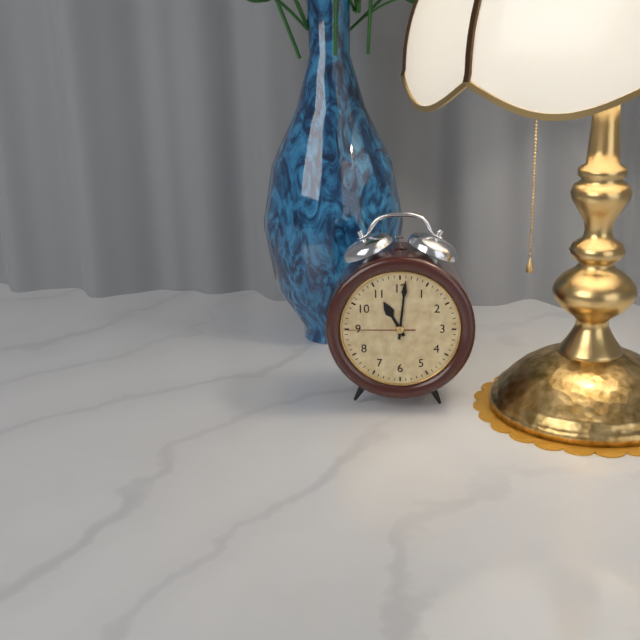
11:01:45
